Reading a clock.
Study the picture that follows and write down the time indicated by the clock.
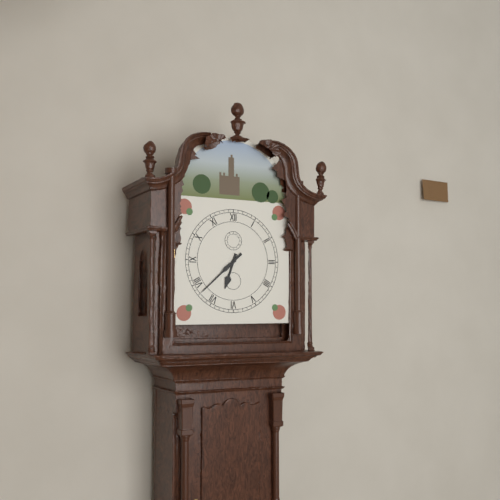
6:38
